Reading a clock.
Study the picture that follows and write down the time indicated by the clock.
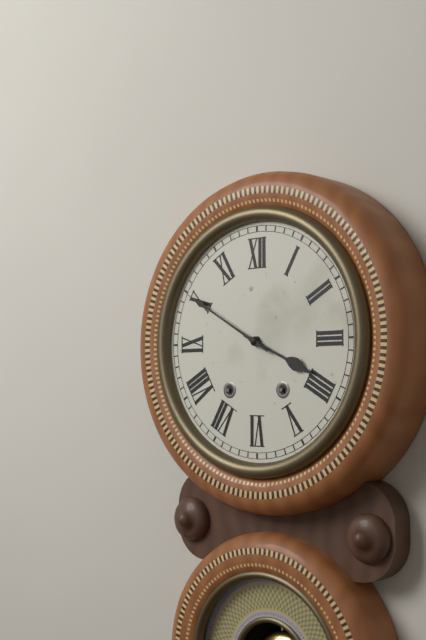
3:50
